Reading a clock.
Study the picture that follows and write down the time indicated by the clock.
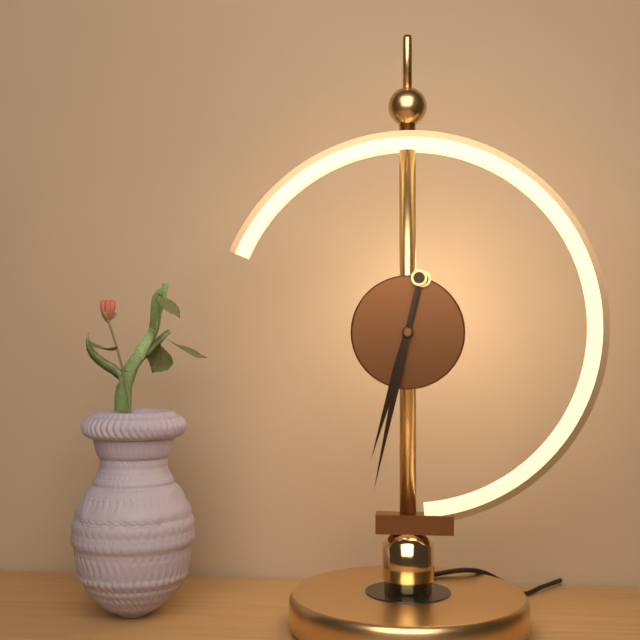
6:32
